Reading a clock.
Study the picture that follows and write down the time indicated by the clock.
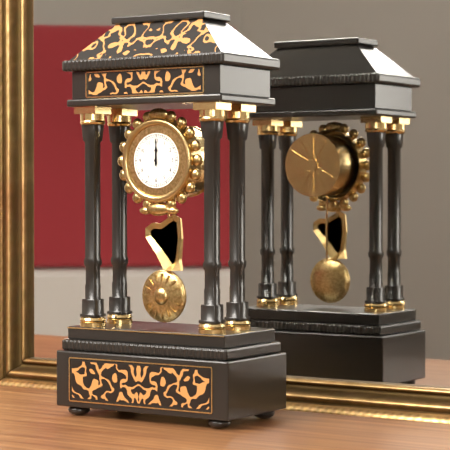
12:00
